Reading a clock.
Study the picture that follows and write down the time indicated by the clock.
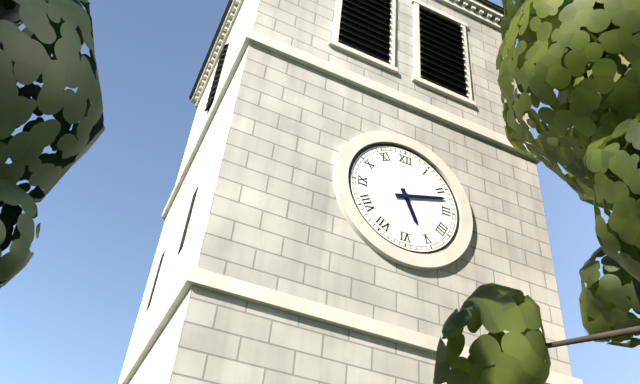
5:12
